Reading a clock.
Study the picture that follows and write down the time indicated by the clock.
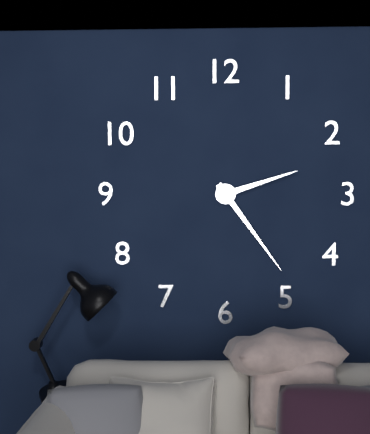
2:24
